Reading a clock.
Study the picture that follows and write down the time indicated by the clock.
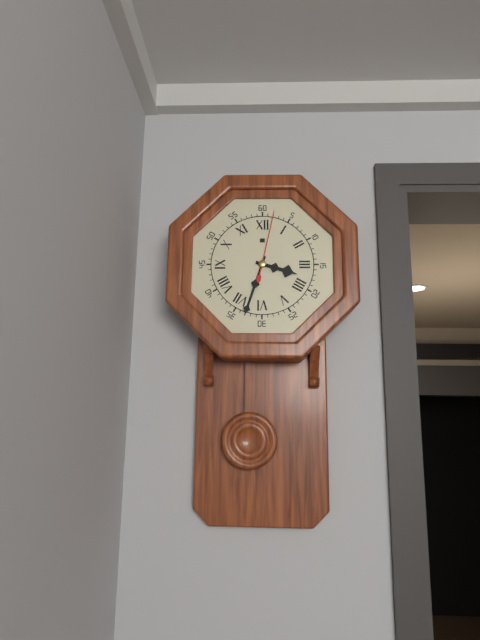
3:33:02
